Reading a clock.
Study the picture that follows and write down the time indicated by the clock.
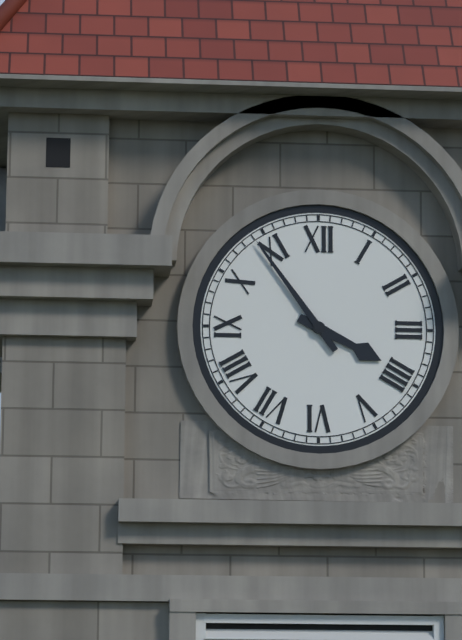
3:54
